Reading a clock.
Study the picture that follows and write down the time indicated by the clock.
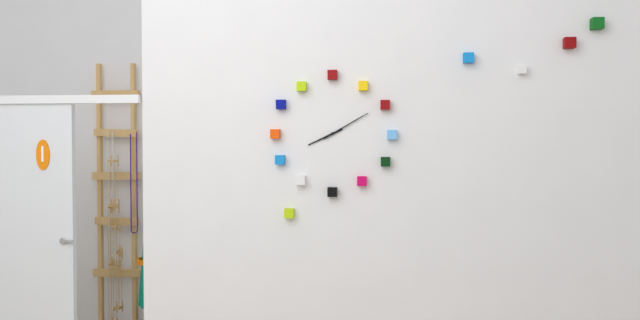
8:10
